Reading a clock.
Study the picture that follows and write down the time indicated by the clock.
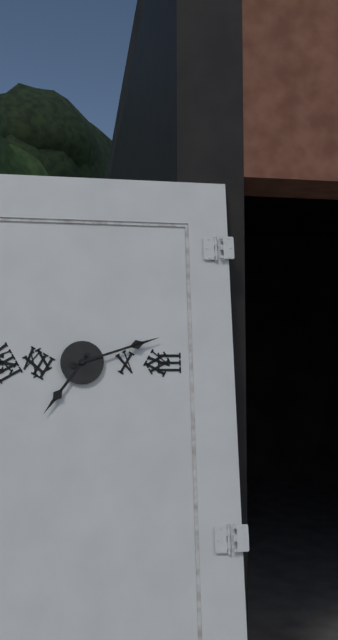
7:12
